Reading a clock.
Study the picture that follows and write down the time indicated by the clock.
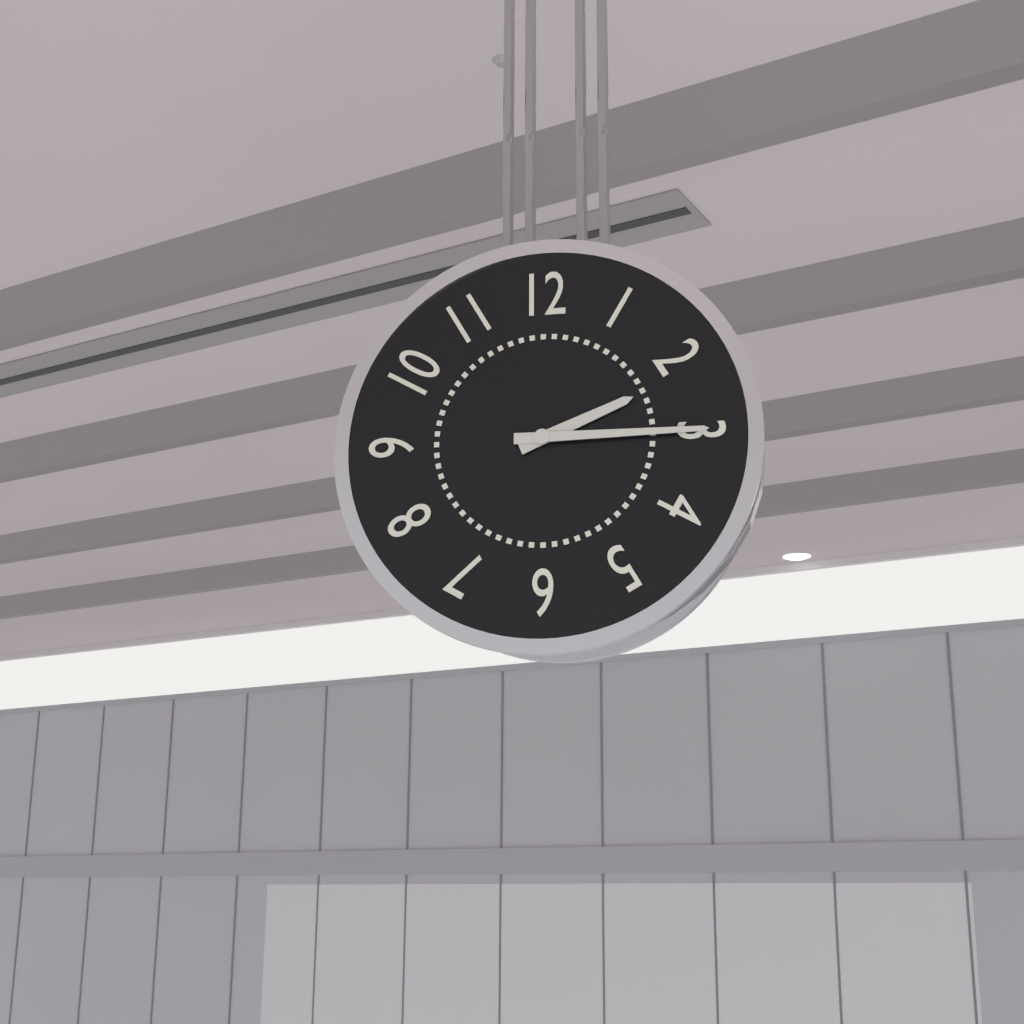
2:15
